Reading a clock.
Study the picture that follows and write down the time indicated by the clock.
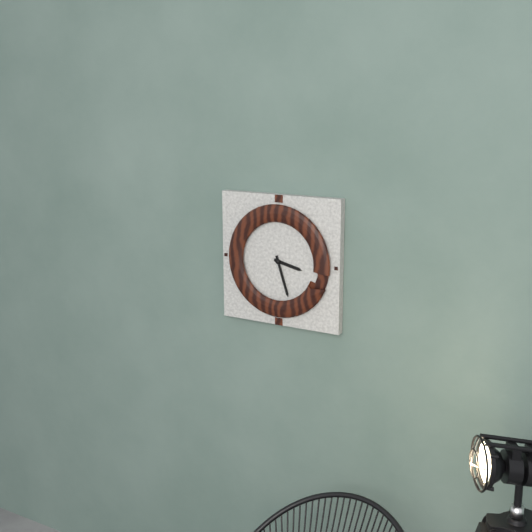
3:27
